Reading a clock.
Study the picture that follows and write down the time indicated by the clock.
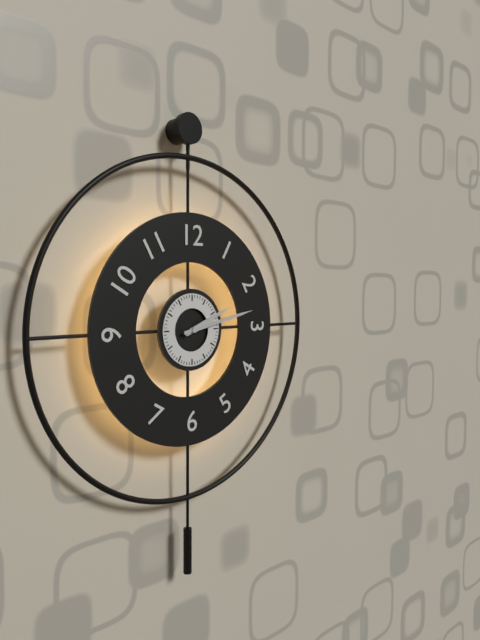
2:13
